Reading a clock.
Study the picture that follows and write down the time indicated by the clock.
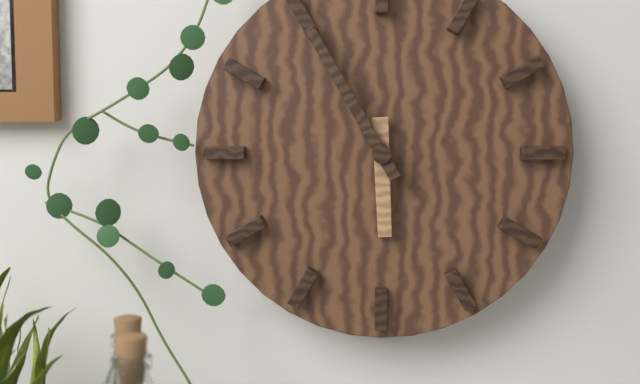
5:55
